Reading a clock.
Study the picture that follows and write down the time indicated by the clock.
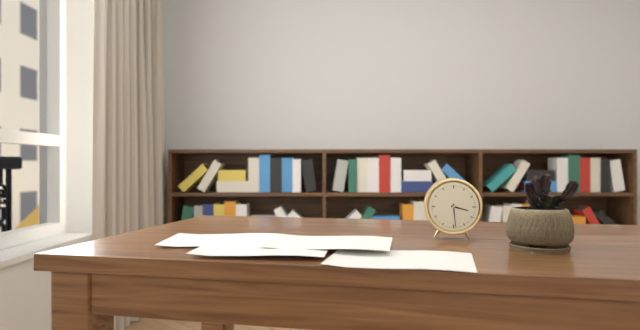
3:29
